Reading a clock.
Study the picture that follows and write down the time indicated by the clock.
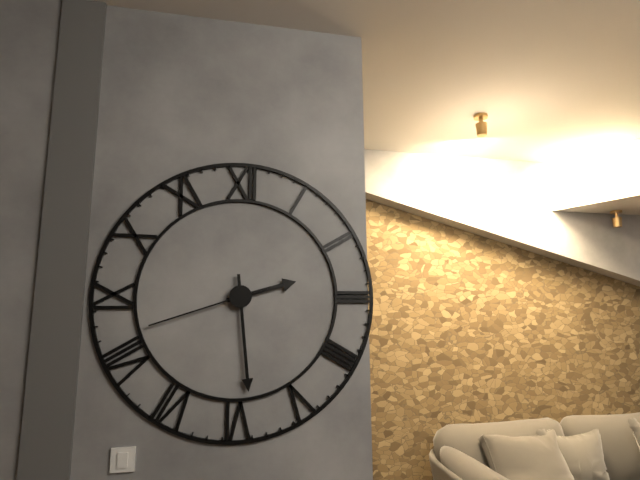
2:29:42
